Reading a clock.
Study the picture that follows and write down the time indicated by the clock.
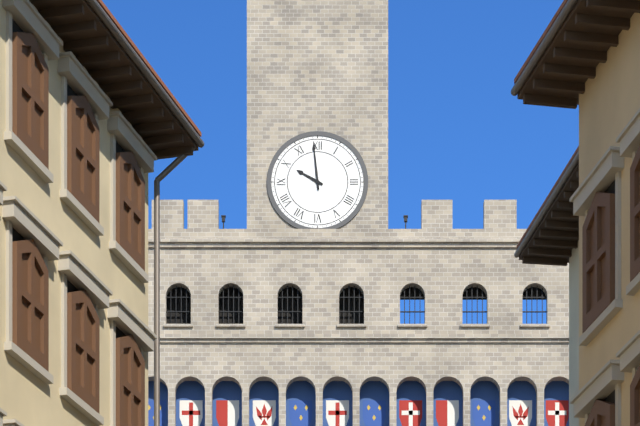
9:59
